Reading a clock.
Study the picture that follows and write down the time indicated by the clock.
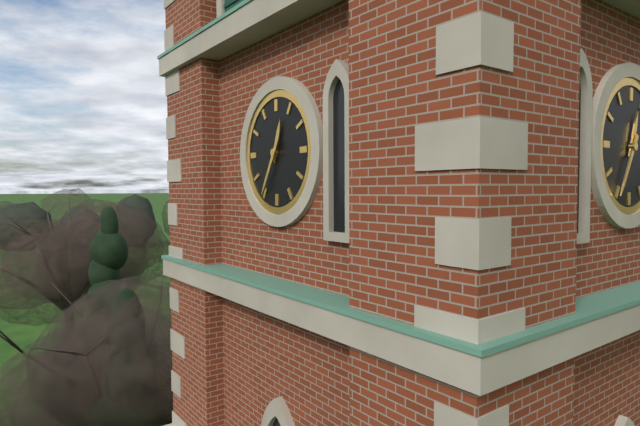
12:35
